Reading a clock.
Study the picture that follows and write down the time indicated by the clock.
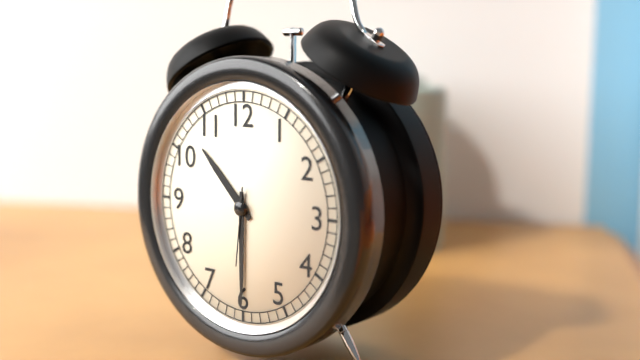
10:30:31
